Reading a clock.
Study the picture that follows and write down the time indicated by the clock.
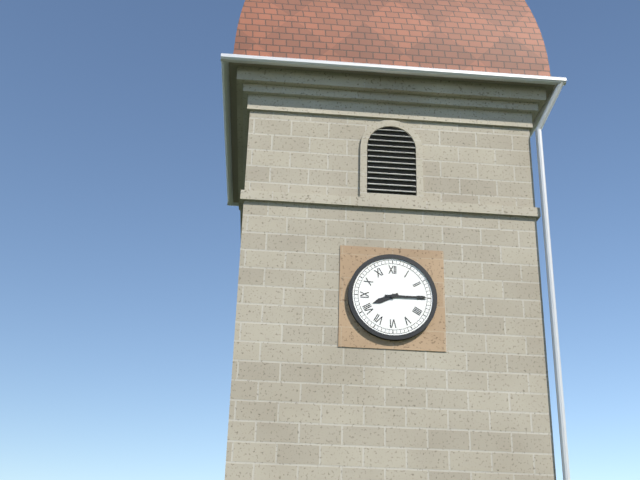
8:15
